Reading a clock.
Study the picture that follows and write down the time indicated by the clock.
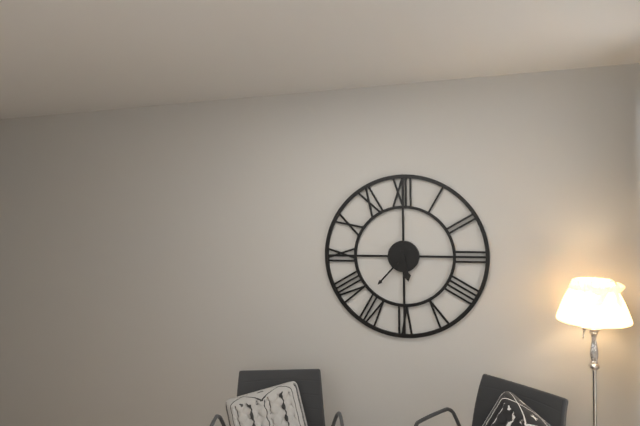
5:37
